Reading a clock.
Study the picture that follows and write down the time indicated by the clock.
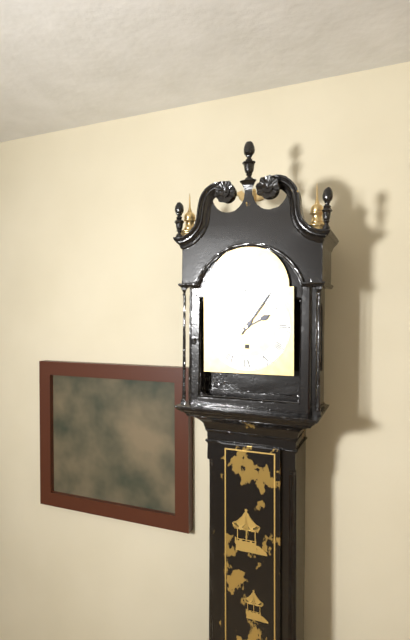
2:06
